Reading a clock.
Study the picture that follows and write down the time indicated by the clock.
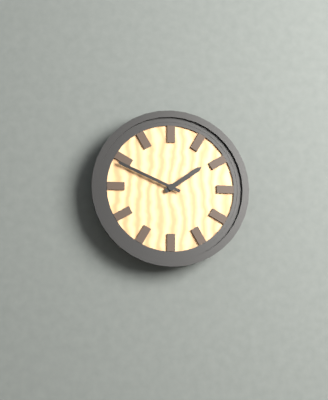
1:49
